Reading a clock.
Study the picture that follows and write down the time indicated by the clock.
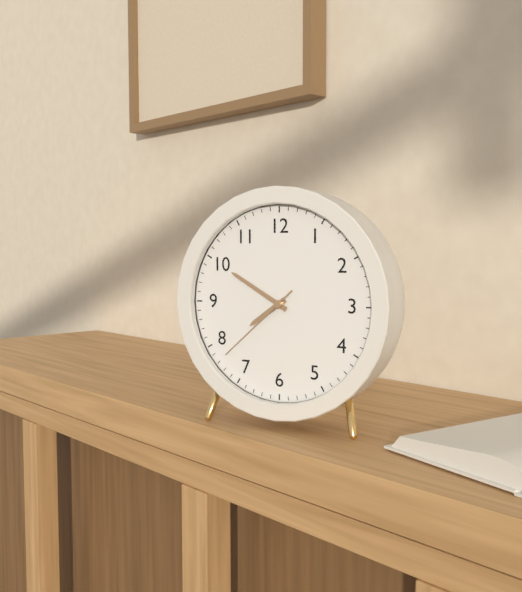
7:50:38
